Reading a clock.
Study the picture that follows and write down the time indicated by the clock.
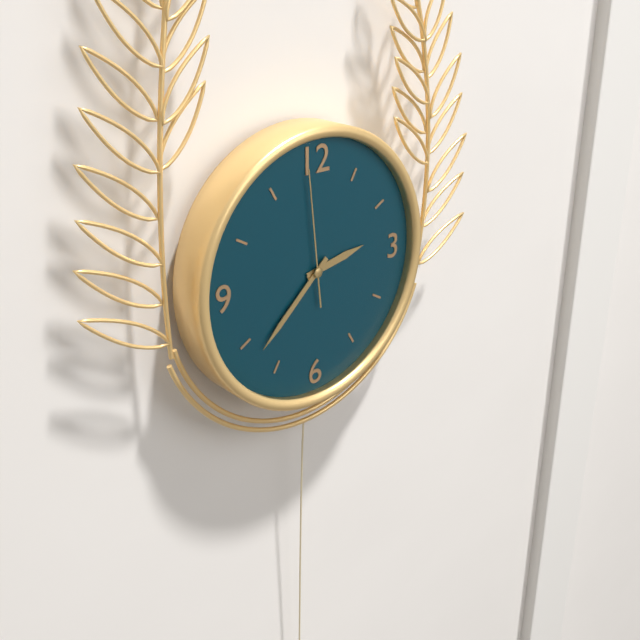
2:38:59
